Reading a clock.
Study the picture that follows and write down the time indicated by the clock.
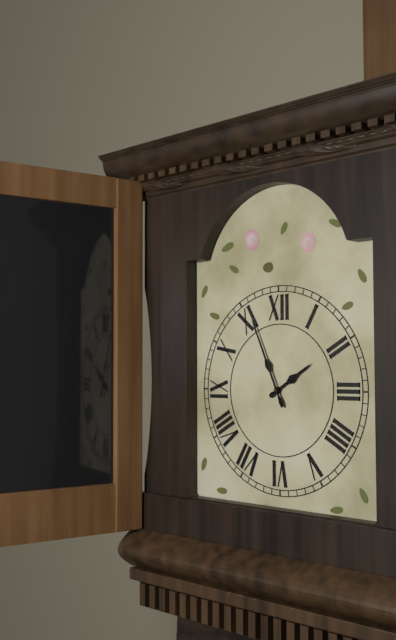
1:56
